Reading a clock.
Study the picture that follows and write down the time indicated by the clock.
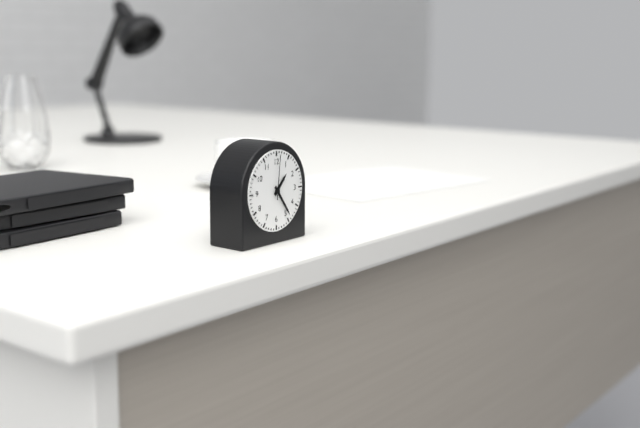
1:24:01
